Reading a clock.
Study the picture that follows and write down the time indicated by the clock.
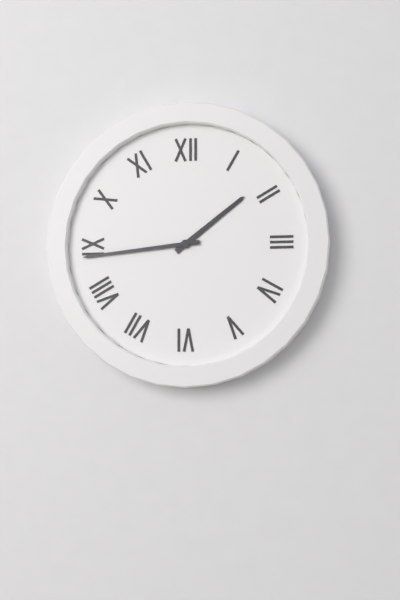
1:44
